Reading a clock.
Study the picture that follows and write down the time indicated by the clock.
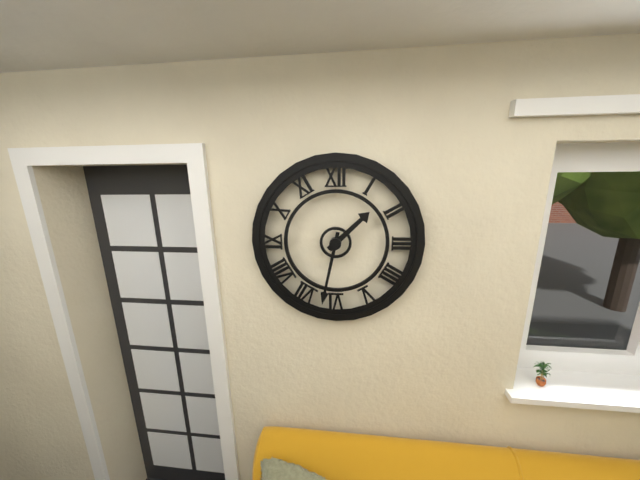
1:32
